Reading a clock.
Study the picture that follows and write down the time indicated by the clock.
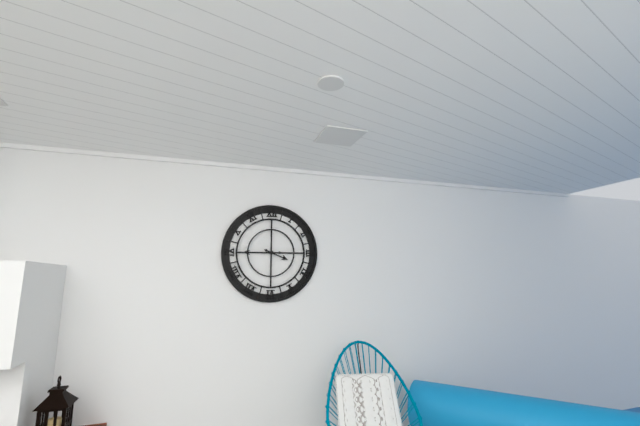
3:45
